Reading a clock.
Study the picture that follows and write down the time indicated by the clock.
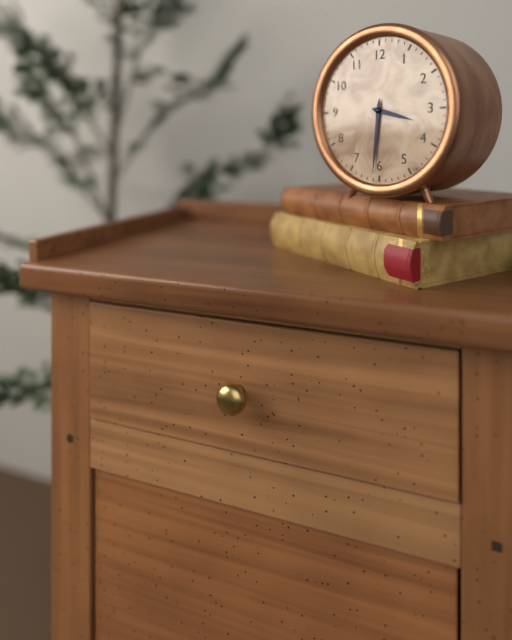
3:31
